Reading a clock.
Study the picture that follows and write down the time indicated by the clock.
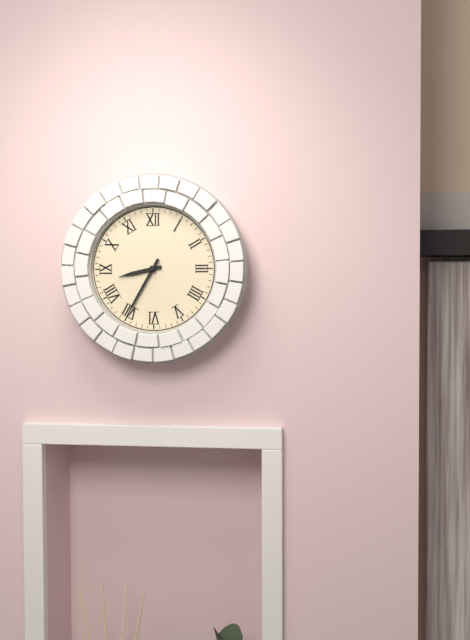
8:35
